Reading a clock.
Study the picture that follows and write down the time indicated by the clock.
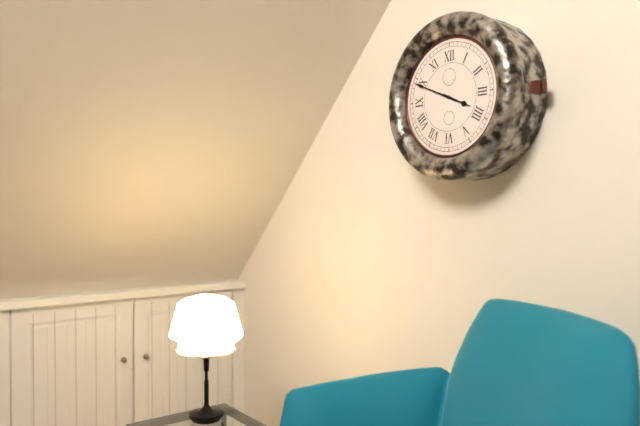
3:49
